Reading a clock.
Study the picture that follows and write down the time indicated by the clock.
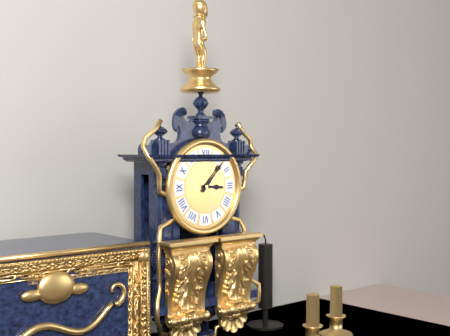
3:07
